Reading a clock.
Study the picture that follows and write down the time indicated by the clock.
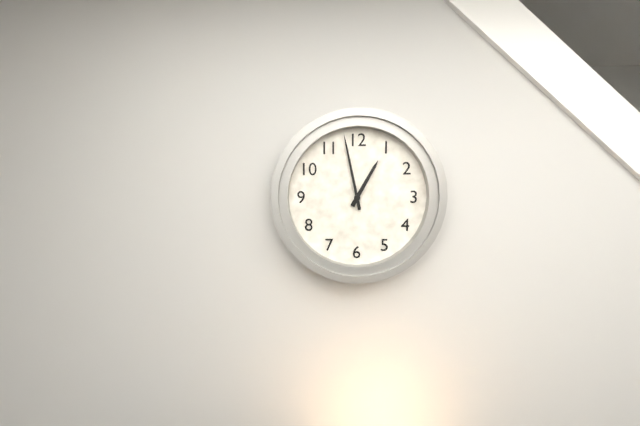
12:58
